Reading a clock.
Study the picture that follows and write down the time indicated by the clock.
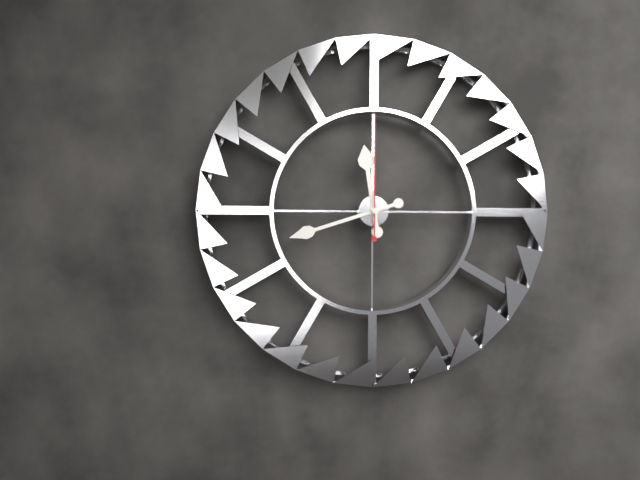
11:42:00
